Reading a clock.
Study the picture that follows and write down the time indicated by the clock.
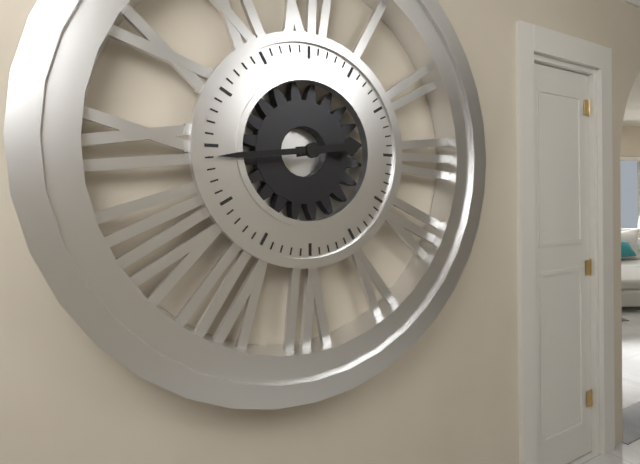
2:44
